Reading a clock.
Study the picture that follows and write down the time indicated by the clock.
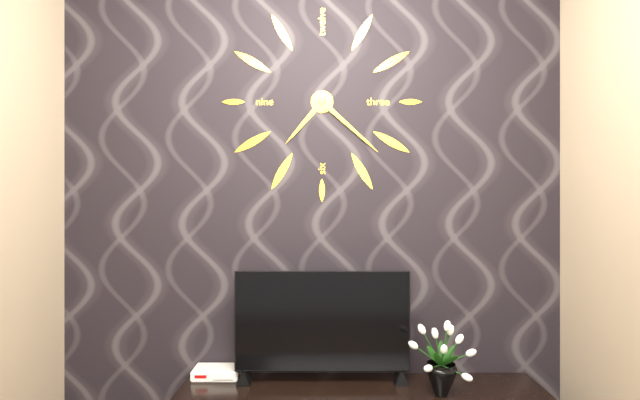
7:22
